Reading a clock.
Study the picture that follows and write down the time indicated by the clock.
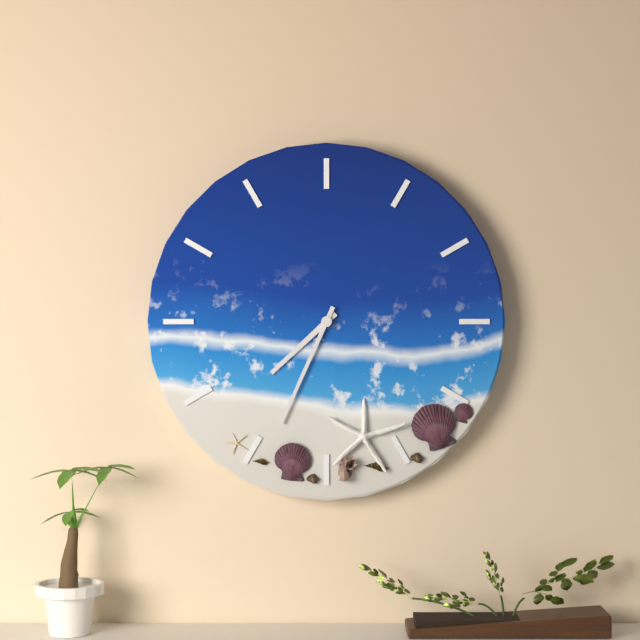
7:34
